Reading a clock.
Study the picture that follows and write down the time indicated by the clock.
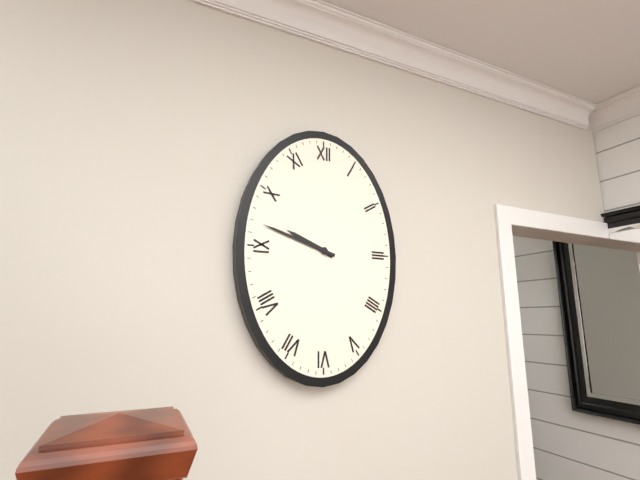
9:48
